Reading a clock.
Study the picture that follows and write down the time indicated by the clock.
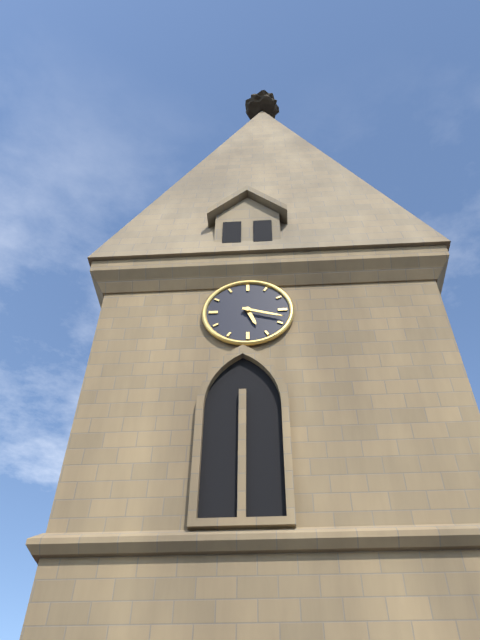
5:18
